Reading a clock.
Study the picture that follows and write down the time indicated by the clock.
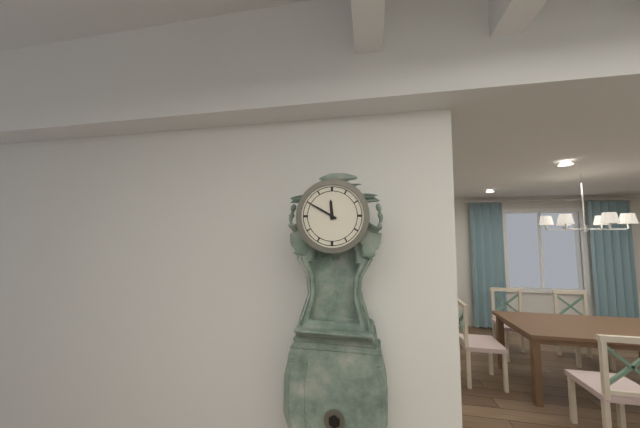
11:50
